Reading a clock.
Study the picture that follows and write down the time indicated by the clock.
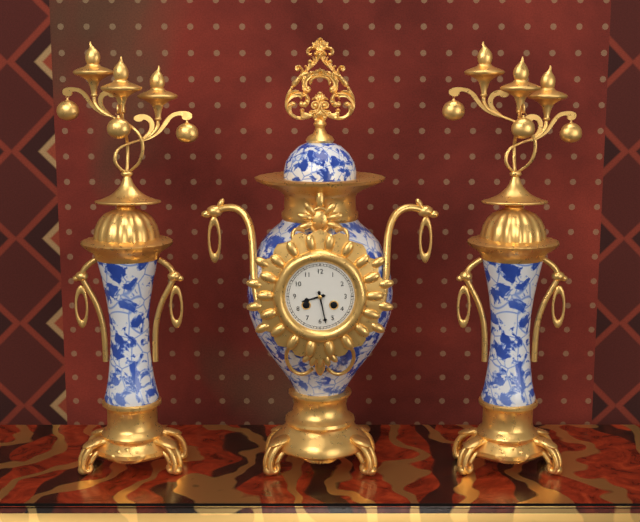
8:28
